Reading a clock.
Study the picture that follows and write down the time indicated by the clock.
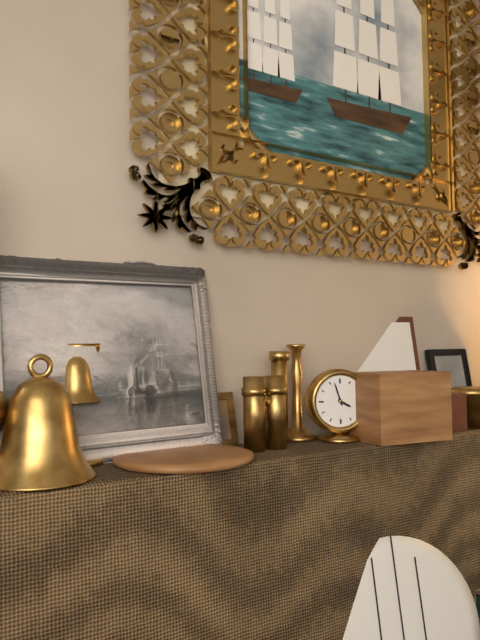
3:57
